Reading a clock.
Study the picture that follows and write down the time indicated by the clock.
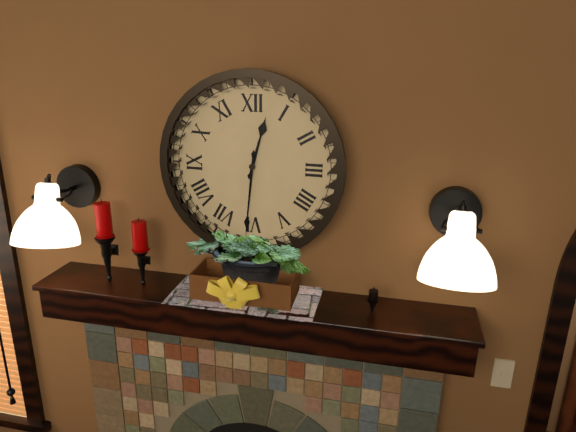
12:31
